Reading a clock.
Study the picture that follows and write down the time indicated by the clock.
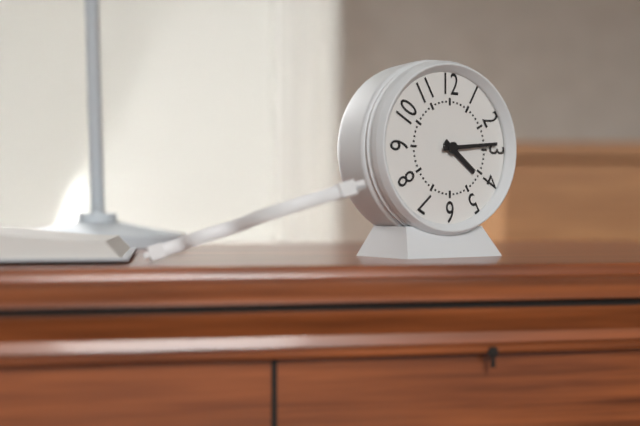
4:14
